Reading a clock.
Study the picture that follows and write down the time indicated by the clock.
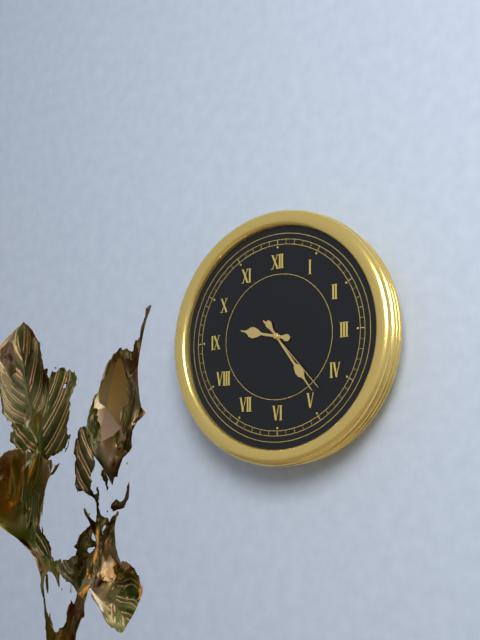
9:24:23
